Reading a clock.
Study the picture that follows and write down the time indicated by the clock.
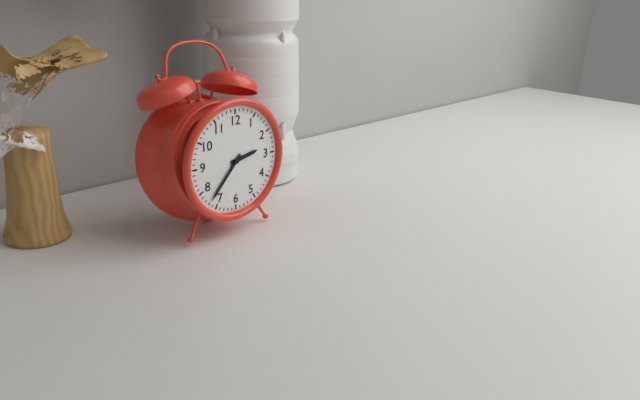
2:37
